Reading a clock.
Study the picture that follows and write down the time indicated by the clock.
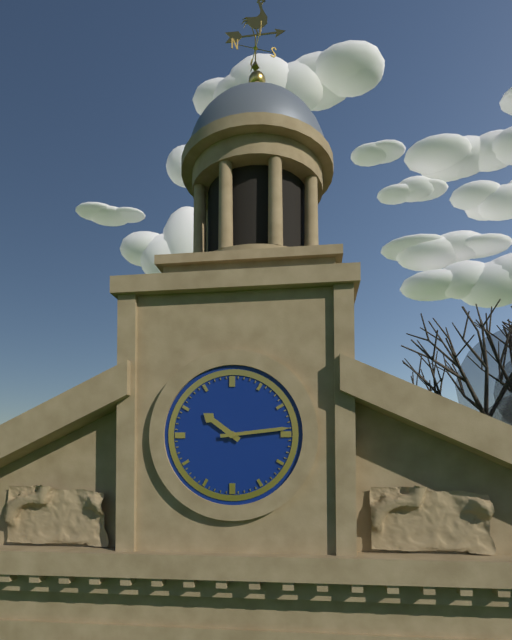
10:14
